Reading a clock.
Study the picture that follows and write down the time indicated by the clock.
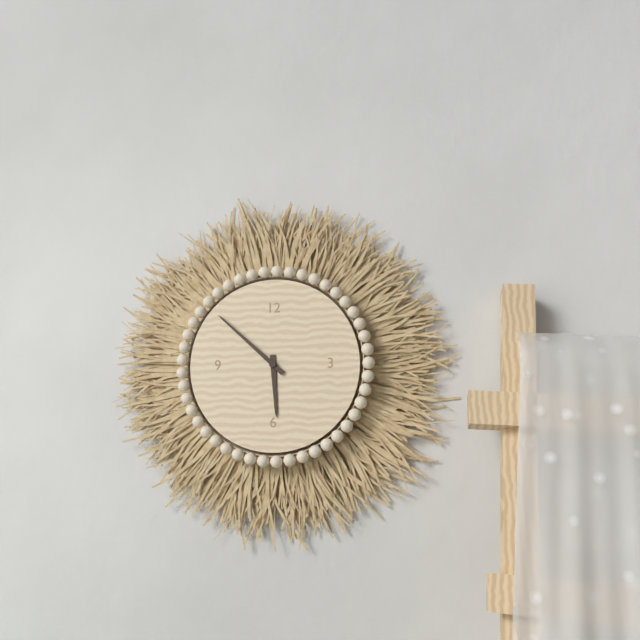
5:52
